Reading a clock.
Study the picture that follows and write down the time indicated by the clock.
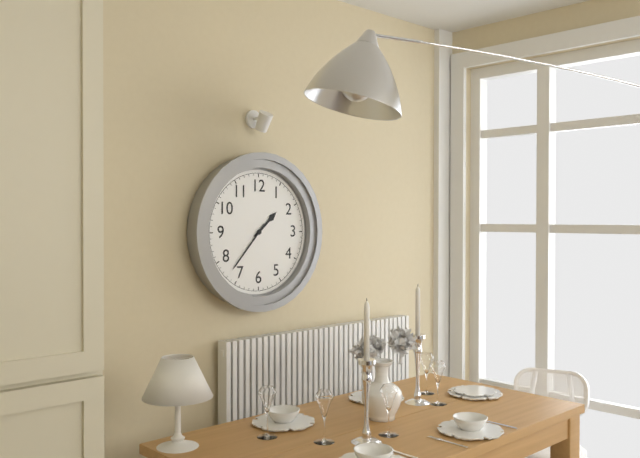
1:37
